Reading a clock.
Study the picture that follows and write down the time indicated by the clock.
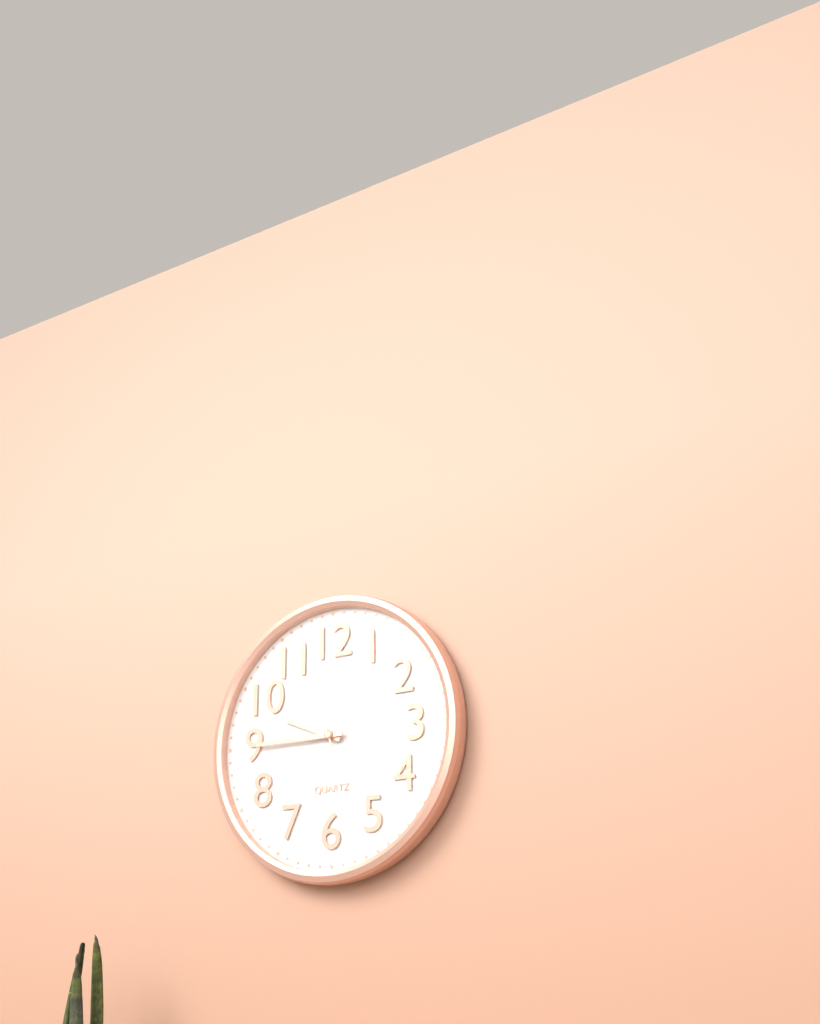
9:45:57
